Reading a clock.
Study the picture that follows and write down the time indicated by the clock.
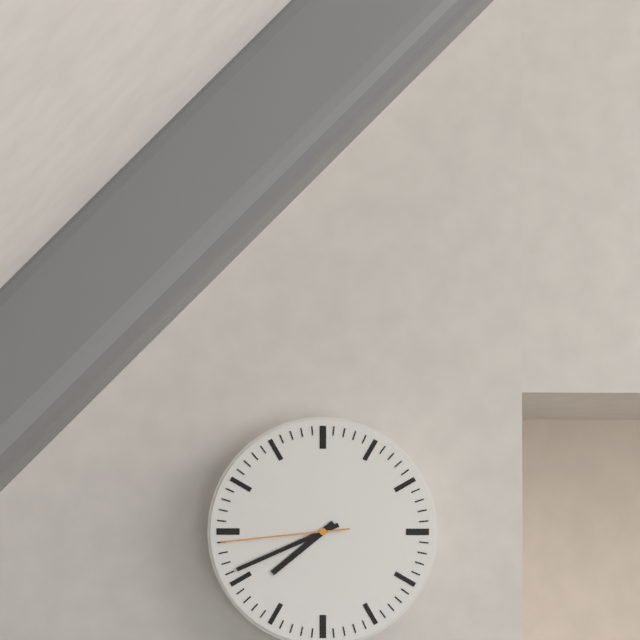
7:41:44
